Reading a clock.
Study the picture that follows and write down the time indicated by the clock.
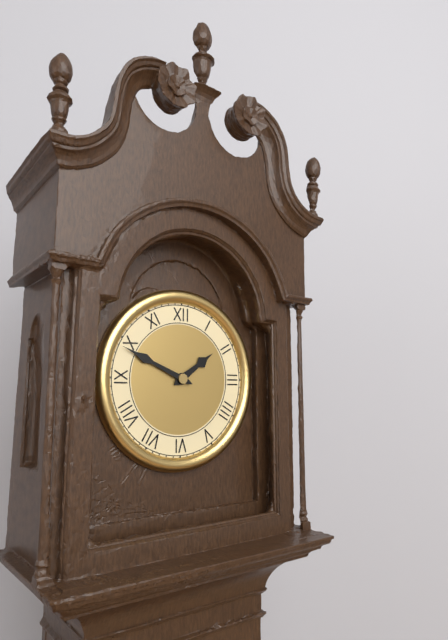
1:49
